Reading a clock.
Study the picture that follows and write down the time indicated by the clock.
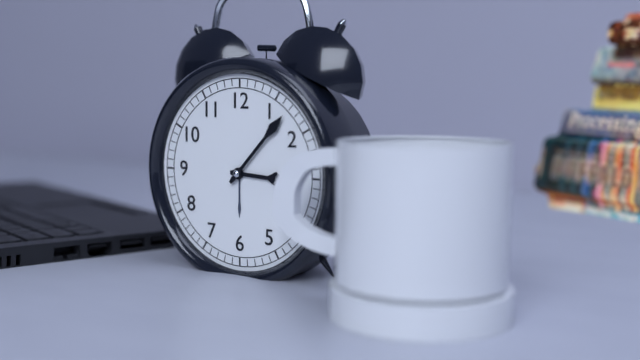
3:07
